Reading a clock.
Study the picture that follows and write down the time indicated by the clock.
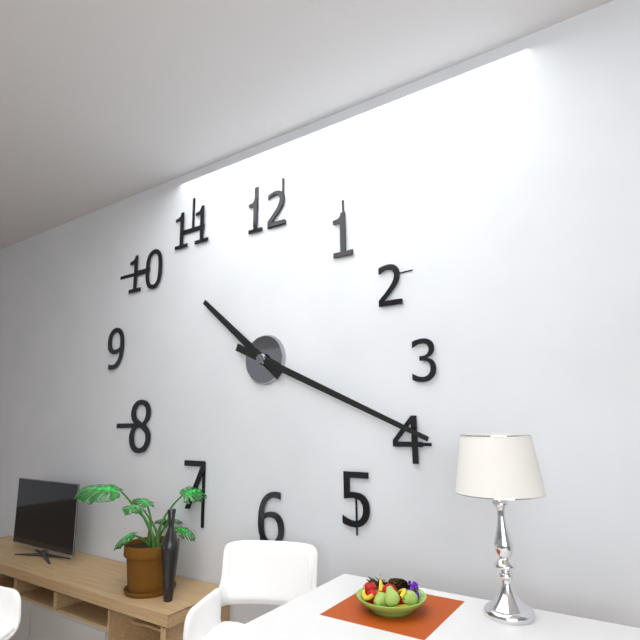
10:19
